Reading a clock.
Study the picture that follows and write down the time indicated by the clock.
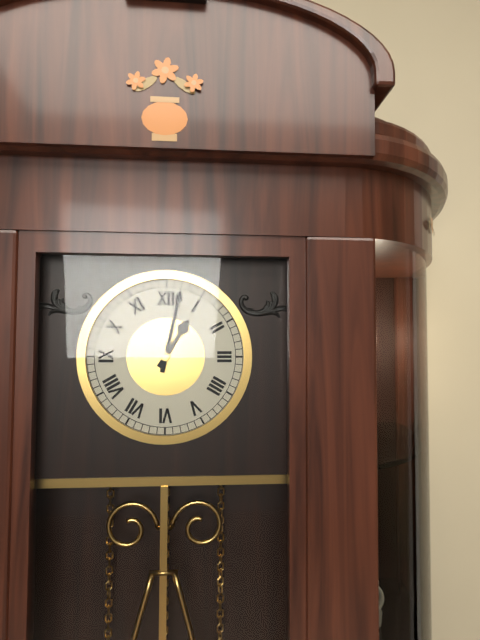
1:02
